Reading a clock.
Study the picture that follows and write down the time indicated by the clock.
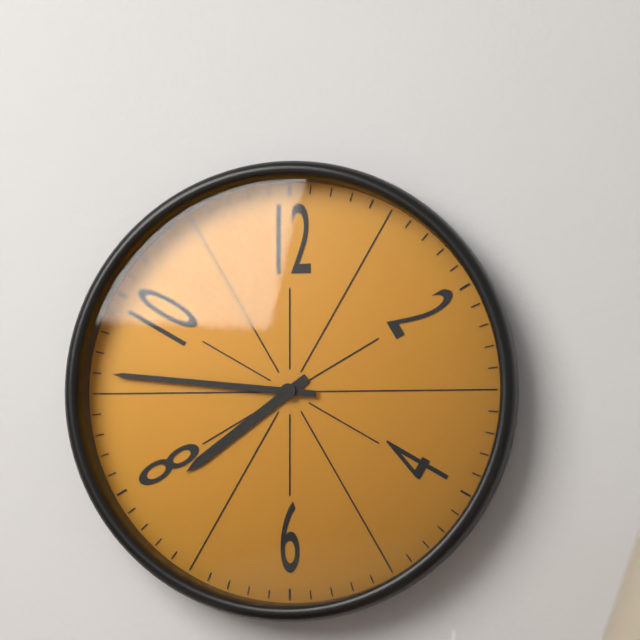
7:46
